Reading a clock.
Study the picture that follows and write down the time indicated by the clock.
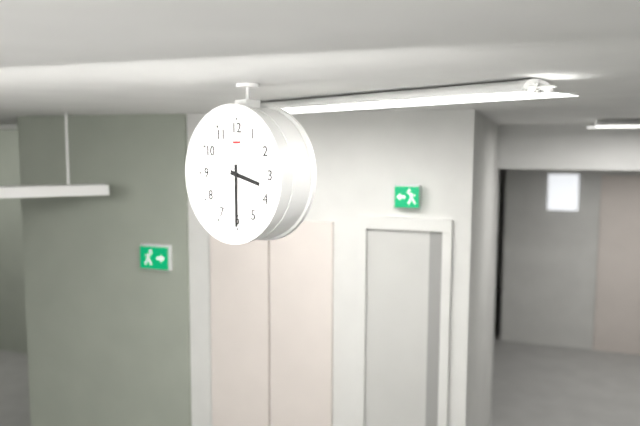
3:30
